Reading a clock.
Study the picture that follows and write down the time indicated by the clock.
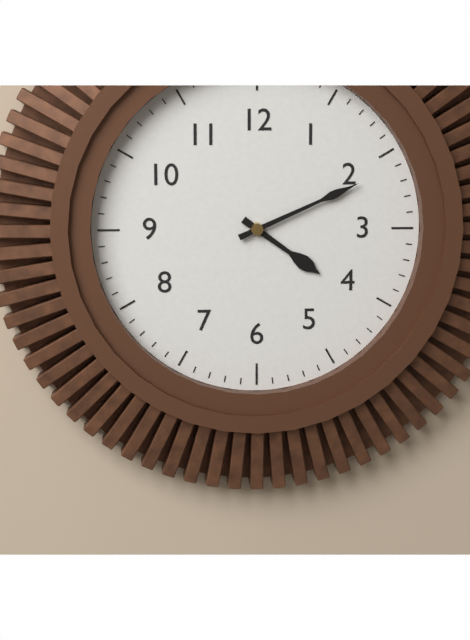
4:11
